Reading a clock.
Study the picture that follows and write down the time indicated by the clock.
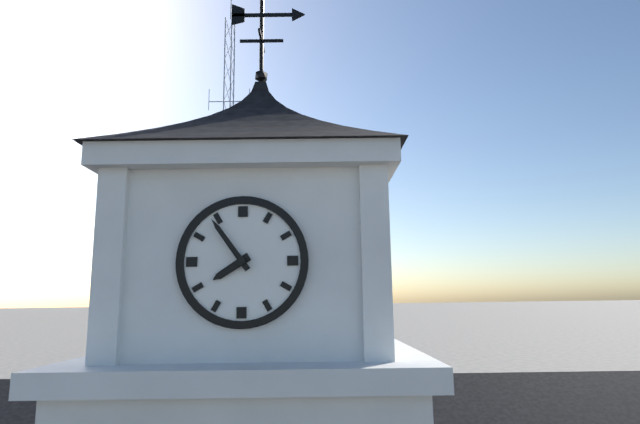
7:54
